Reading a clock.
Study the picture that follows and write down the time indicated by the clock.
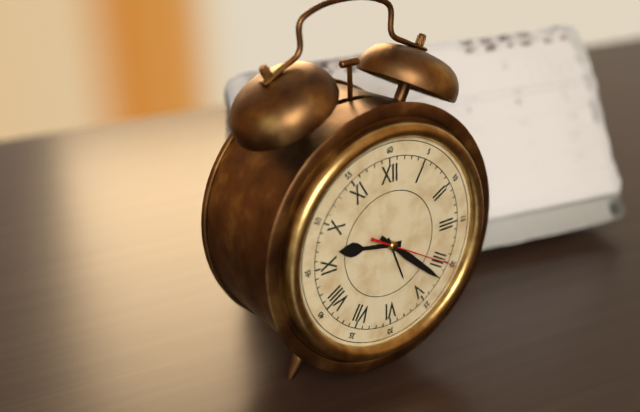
9:22:20
